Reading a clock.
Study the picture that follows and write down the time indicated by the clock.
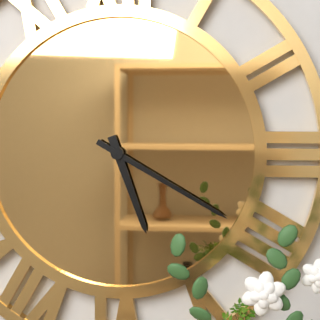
5:20
